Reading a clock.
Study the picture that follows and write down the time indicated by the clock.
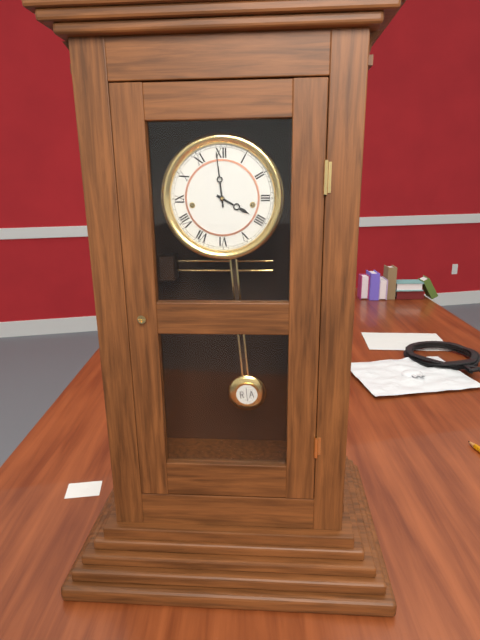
3:59
